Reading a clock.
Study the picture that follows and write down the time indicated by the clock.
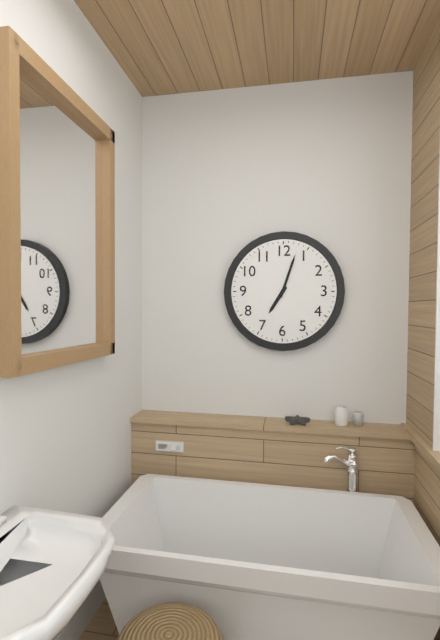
7:03
